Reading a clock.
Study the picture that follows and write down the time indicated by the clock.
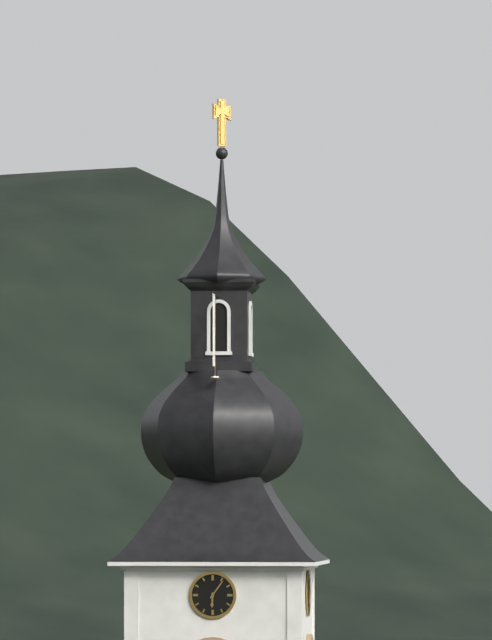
6:06
